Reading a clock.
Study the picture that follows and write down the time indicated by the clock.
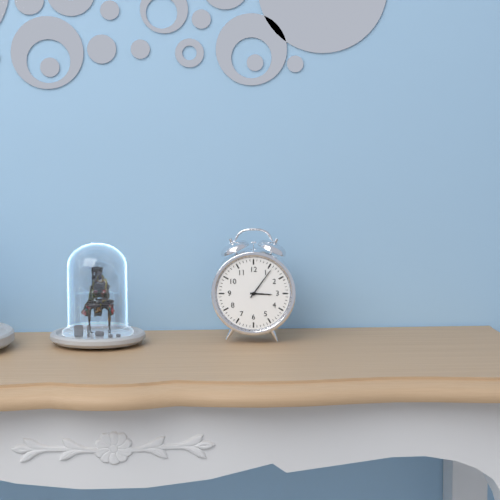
3:06
